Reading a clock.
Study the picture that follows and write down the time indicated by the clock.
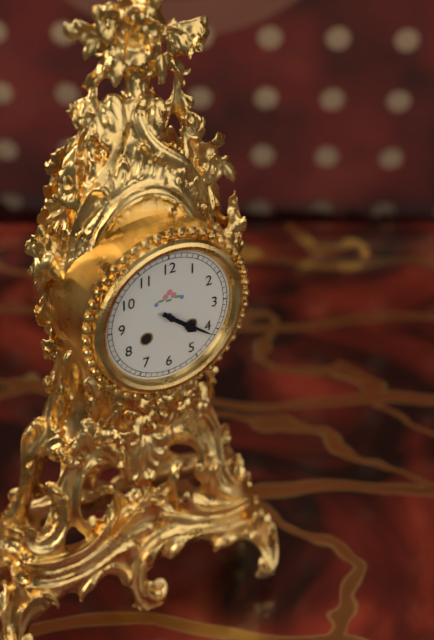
4:21
